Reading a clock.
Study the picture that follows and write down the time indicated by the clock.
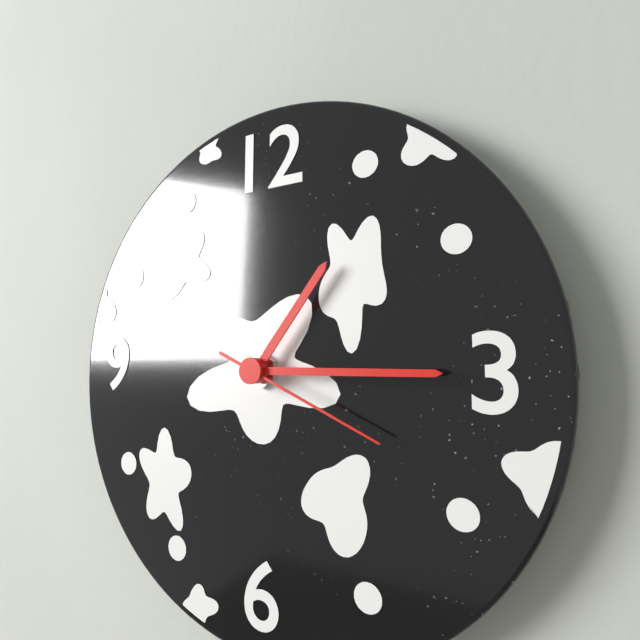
1:15:19
